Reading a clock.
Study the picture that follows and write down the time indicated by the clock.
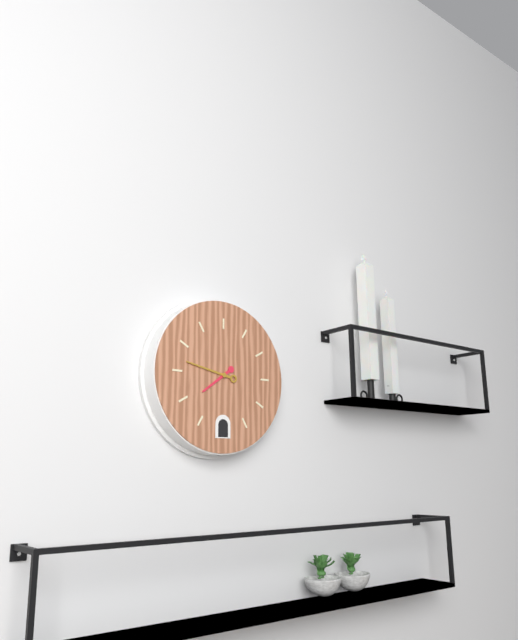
7:47
